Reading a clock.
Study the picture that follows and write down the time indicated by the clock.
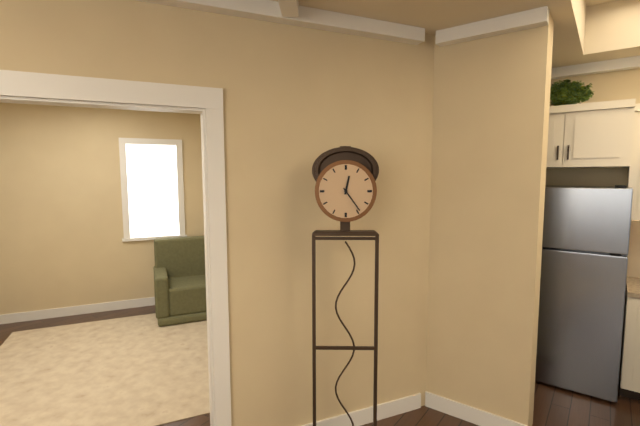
12:24
